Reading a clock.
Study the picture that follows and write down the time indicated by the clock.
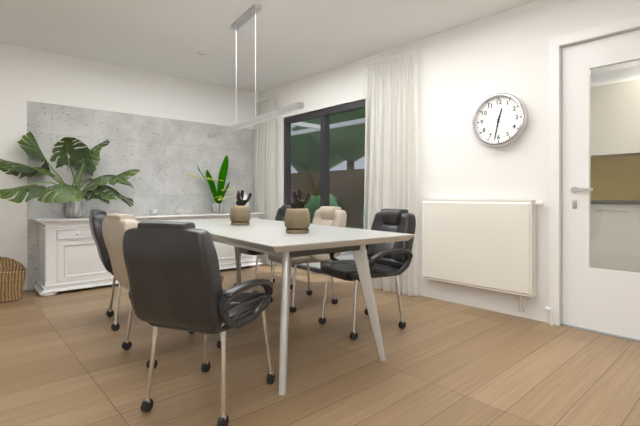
12:32
